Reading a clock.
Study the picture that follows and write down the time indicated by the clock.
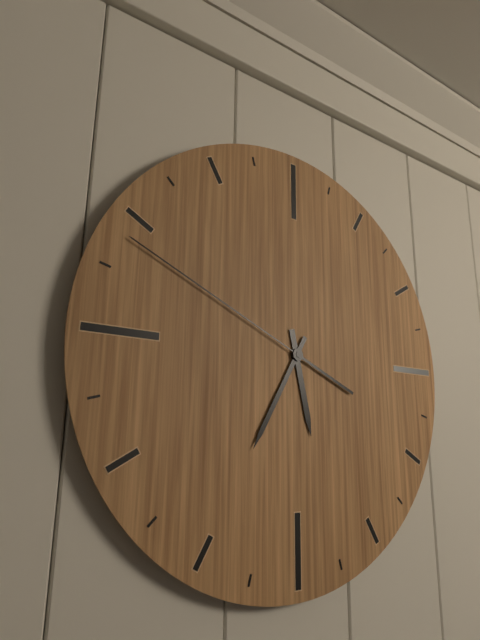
5:35:49
